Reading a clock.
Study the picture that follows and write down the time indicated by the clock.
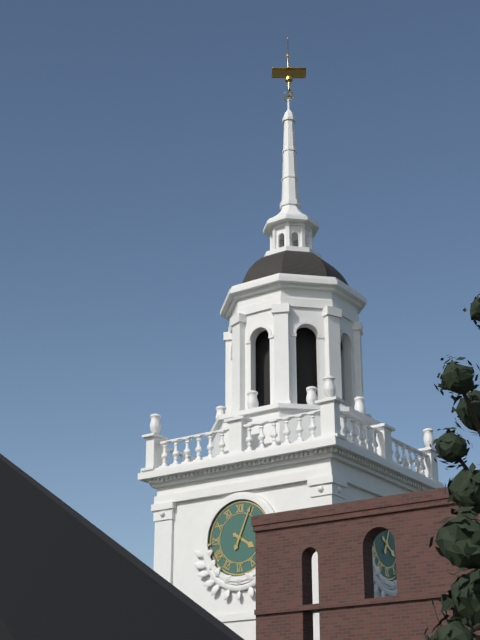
4:04
